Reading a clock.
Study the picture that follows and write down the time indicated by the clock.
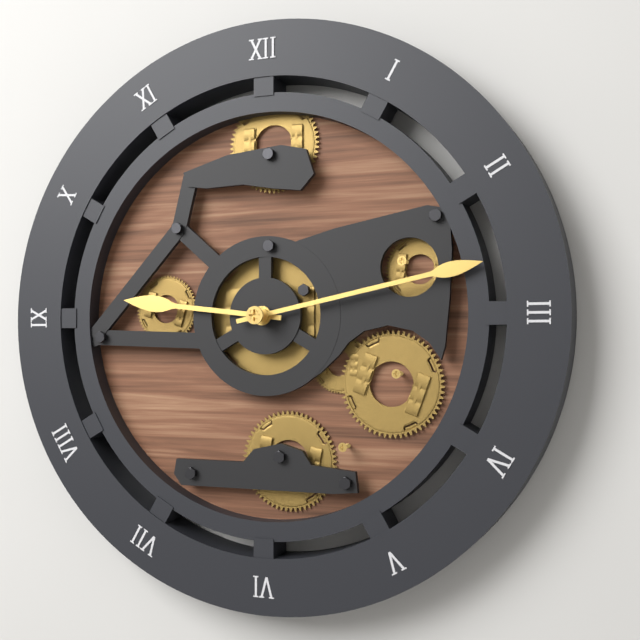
9:13
